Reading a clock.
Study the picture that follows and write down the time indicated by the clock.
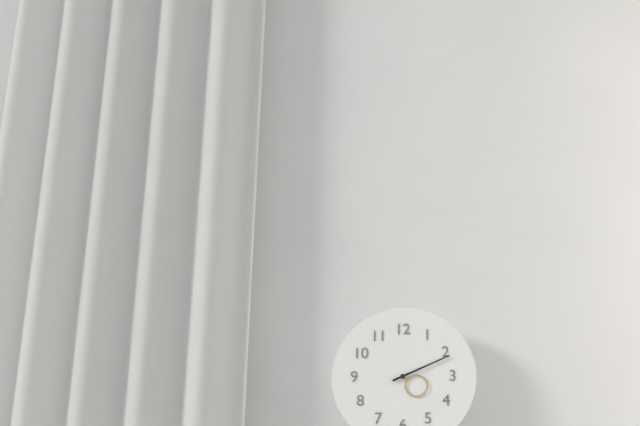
4:11
